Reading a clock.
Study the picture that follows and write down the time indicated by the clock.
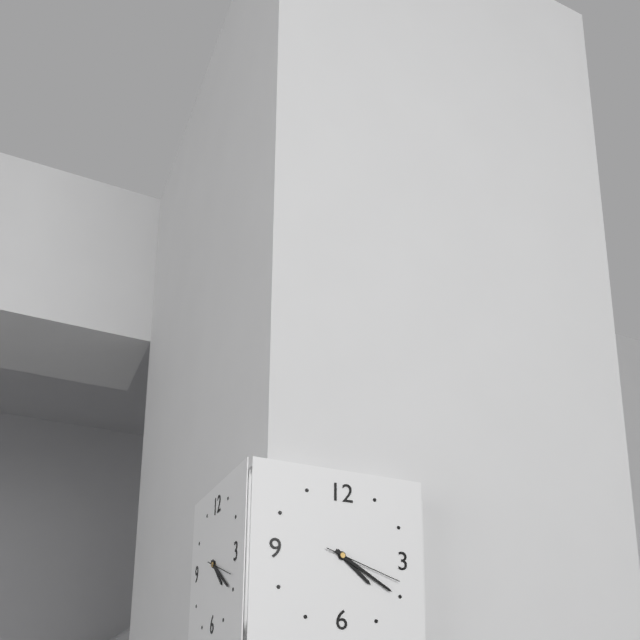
4:20:18
